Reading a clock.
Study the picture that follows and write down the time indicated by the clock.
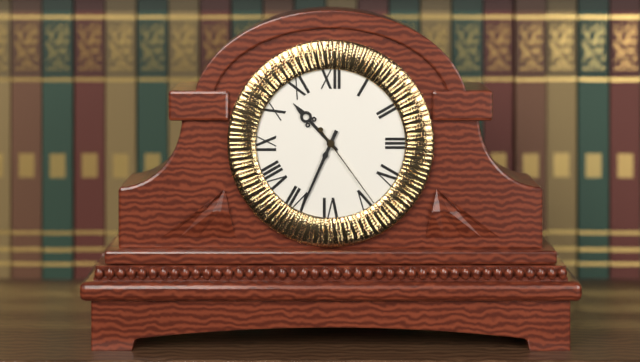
10:34:24
